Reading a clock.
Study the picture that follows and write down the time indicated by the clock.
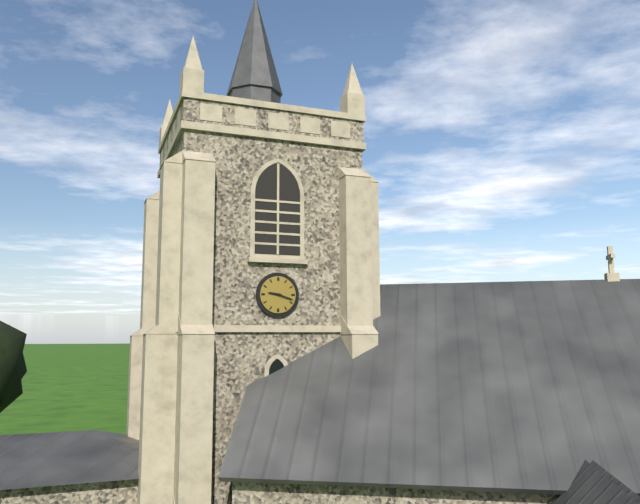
9:18
